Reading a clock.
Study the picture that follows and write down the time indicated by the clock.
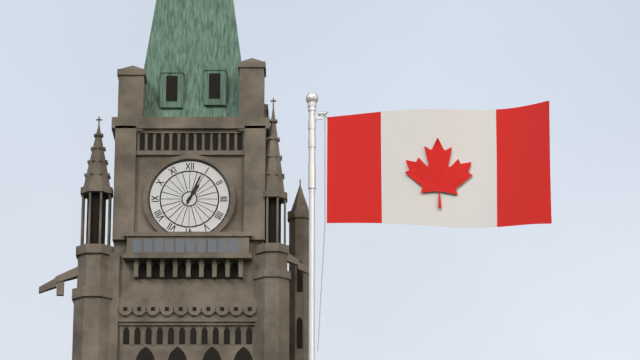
1:04
